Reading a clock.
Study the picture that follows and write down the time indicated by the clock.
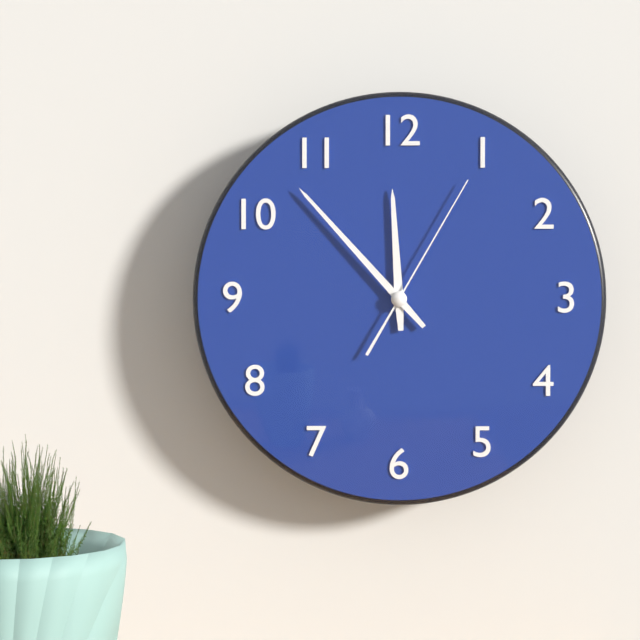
11:53:05
